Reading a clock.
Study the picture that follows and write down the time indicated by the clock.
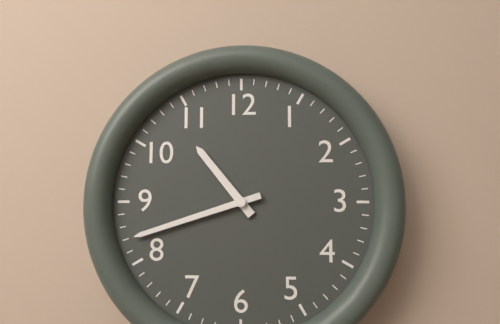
10:42
